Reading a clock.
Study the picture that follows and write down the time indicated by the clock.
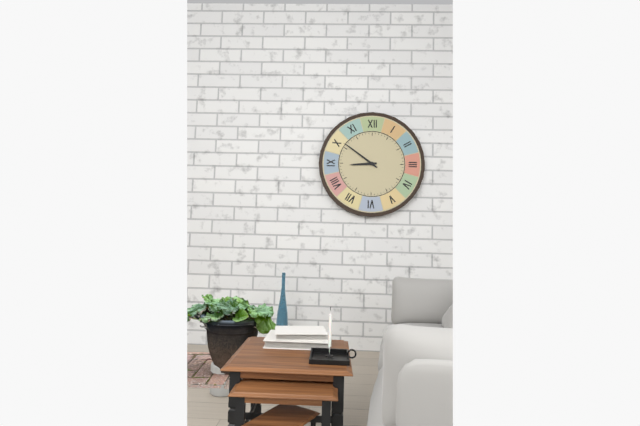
8:51
